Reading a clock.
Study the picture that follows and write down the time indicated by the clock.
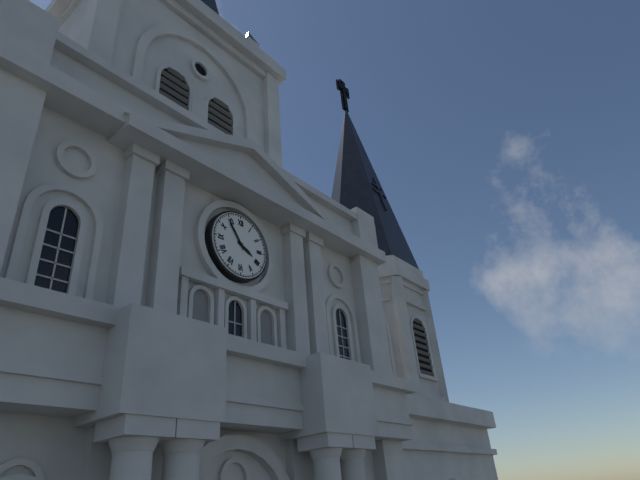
3:54
